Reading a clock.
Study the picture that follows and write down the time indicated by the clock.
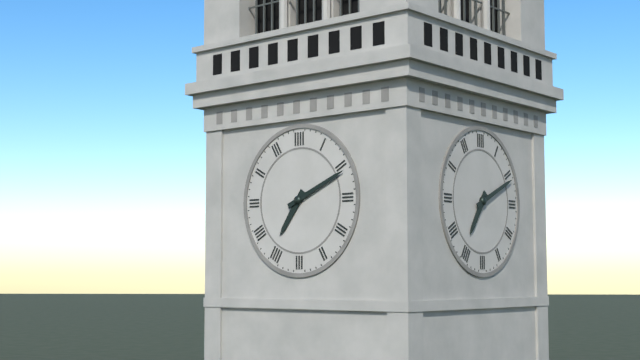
7:11
